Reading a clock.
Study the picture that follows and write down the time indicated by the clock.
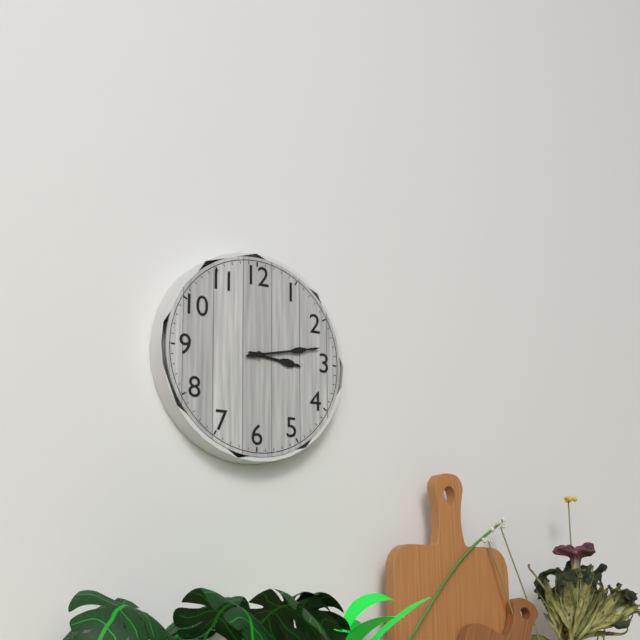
3:13
